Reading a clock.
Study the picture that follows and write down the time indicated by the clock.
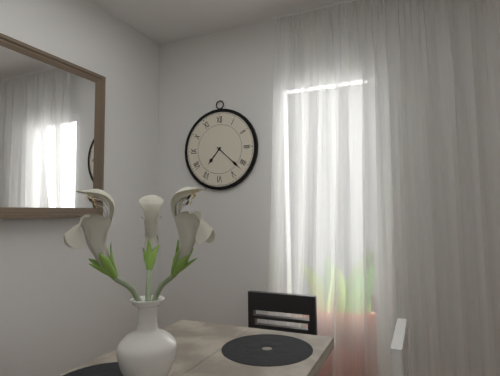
7:22
